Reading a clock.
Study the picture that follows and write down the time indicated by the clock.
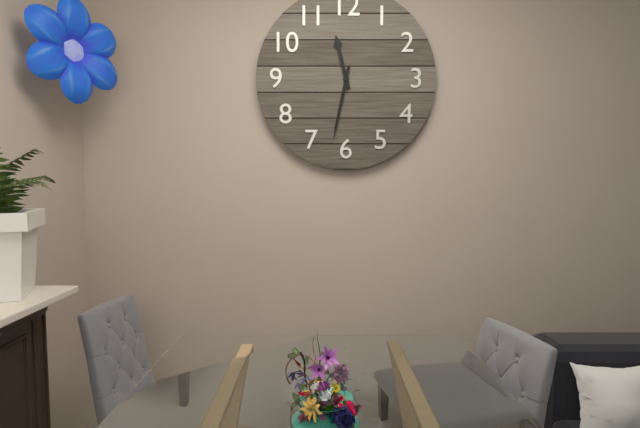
11:32
